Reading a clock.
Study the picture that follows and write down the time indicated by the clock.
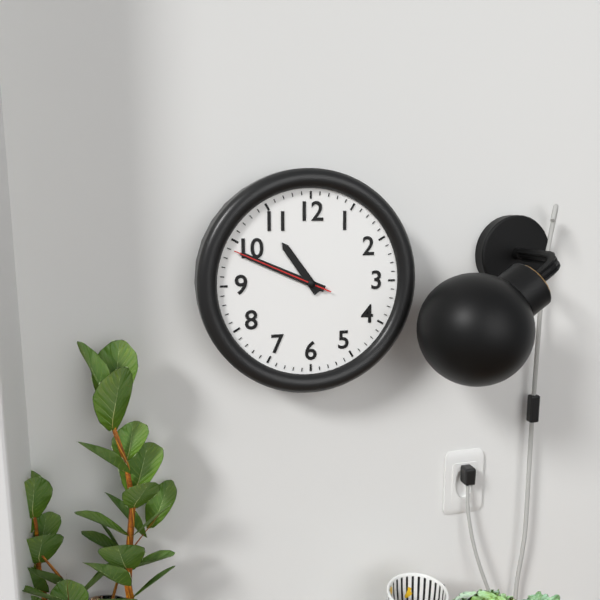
10:49:49
